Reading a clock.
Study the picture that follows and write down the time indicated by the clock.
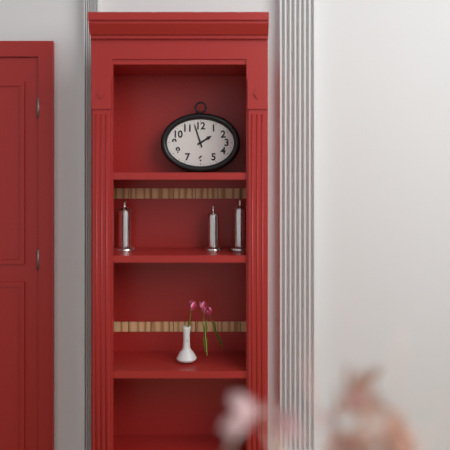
1:57
